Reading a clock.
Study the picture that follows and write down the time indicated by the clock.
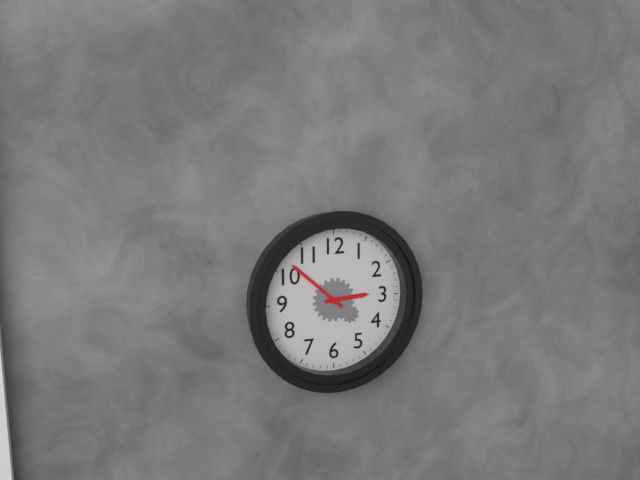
2:52
